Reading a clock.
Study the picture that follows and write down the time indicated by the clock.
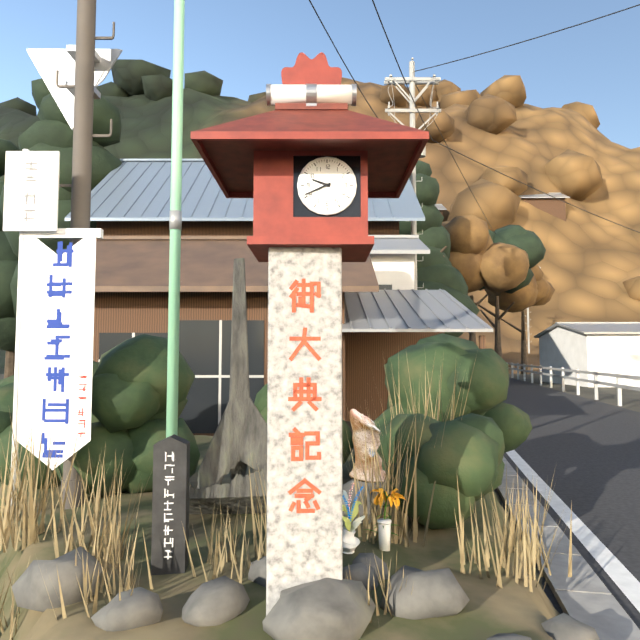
9:41
